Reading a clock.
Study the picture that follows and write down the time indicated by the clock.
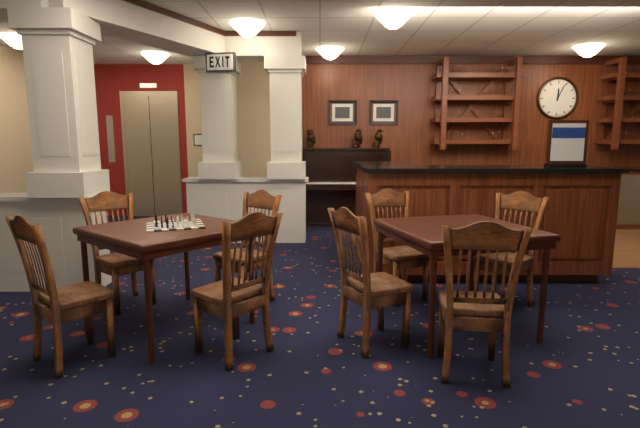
12:04
